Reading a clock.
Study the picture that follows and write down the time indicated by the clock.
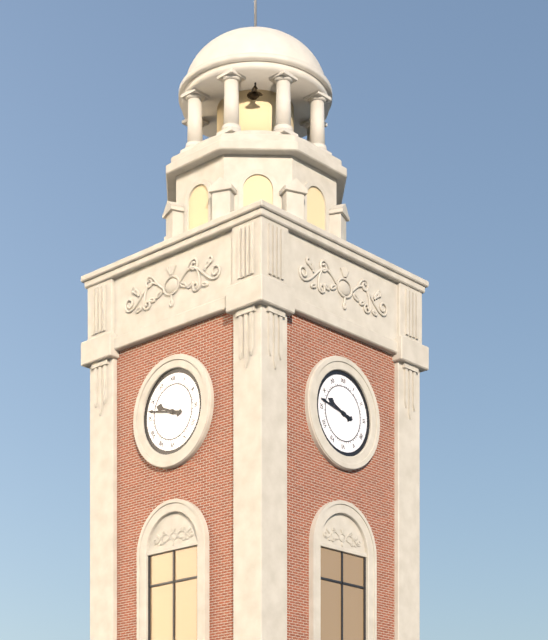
9:47
